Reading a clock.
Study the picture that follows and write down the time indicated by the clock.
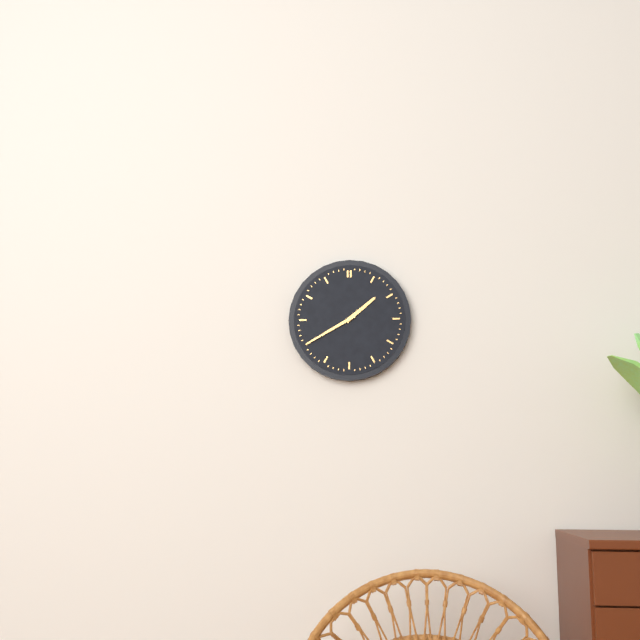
1:40
